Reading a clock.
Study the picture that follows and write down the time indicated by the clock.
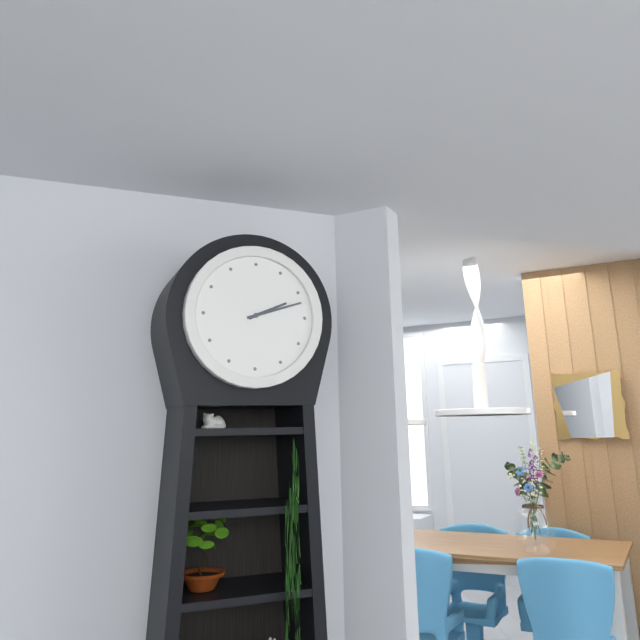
2:12
